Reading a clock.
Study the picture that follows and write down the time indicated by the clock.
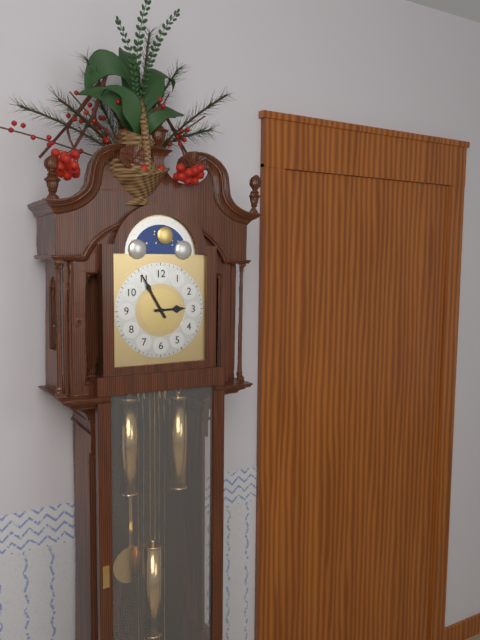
2:55
